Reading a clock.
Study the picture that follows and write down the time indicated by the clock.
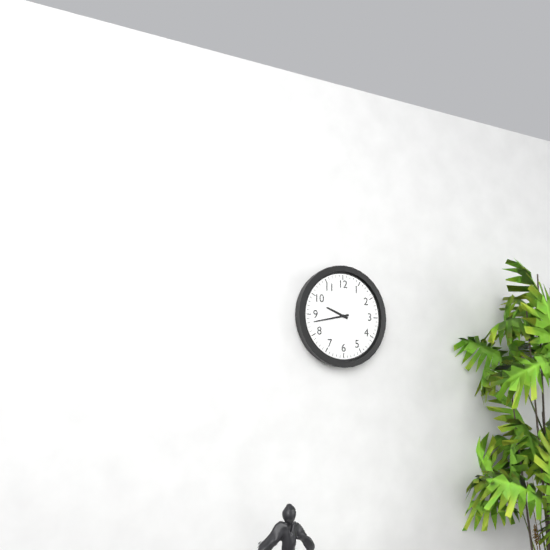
9:43
